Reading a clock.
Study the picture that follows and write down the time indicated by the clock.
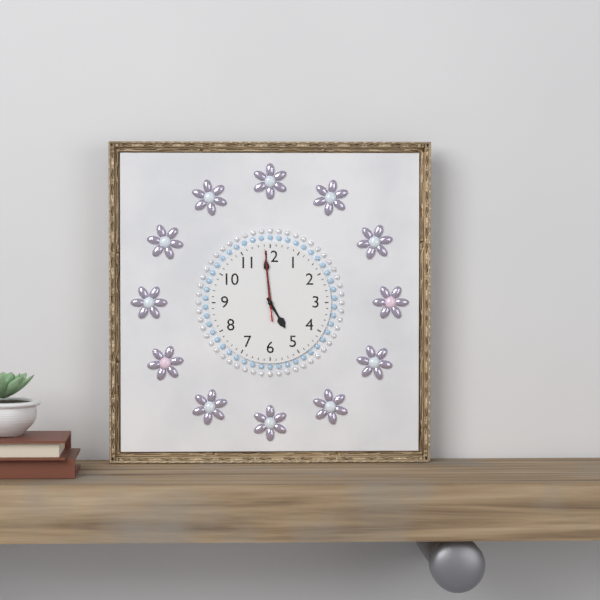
4:59:59
